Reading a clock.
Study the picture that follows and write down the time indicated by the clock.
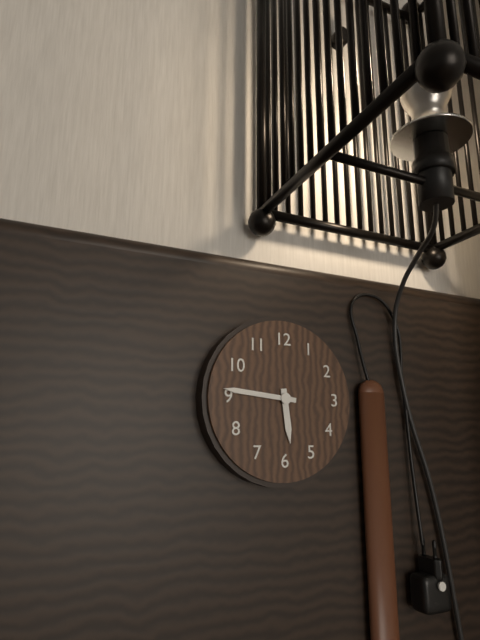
5:46
